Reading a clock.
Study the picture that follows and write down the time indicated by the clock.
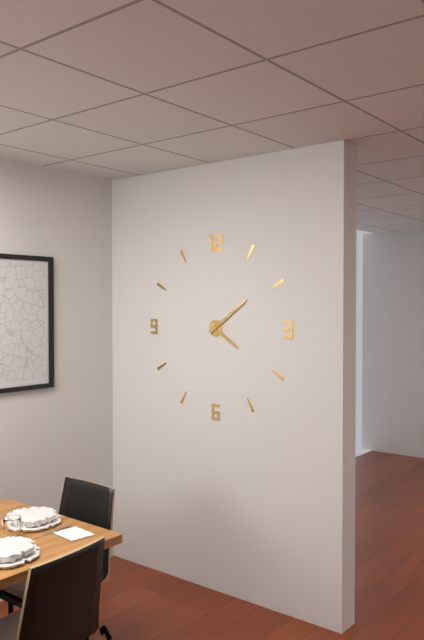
4:09
